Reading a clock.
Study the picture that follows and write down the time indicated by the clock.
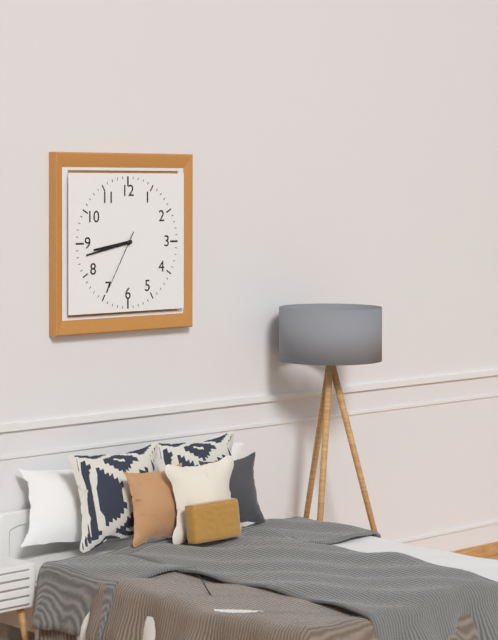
8:43:35
